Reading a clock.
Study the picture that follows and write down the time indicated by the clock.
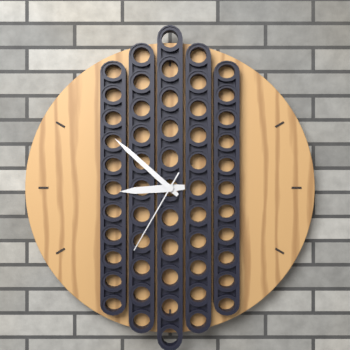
8:52:35
